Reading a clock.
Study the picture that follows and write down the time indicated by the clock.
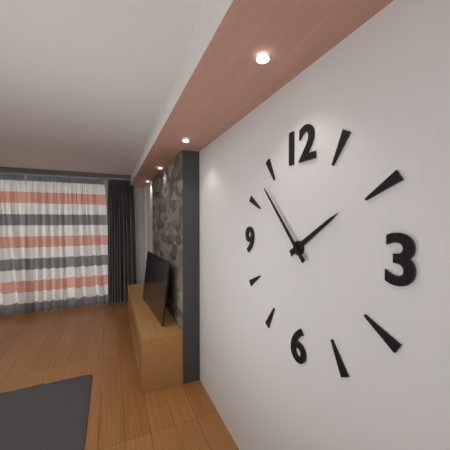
1:53
